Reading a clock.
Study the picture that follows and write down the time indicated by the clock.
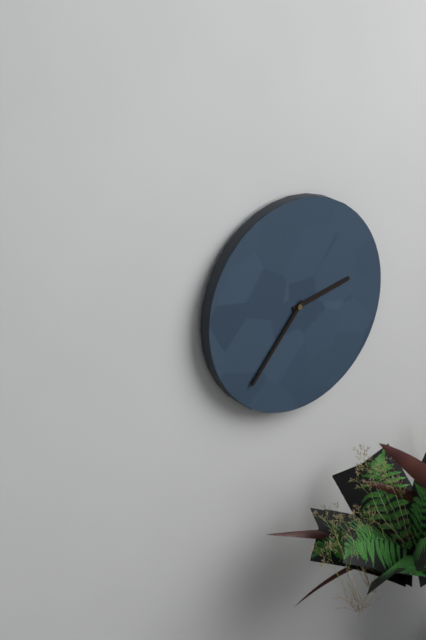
2:37
